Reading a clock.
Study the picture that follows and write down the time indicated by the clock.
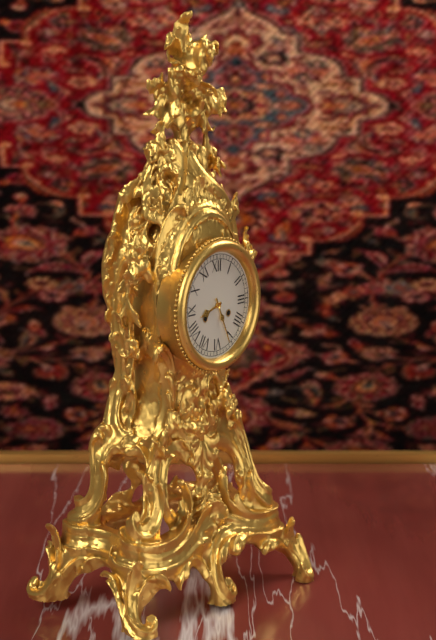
8:26
